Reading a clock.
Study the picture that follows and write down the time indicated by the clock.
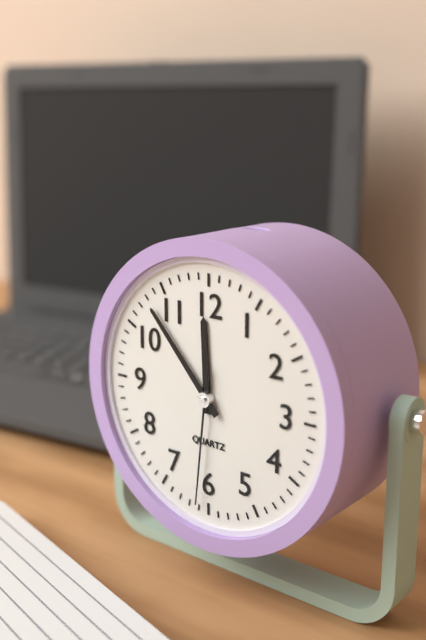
11:53:31
